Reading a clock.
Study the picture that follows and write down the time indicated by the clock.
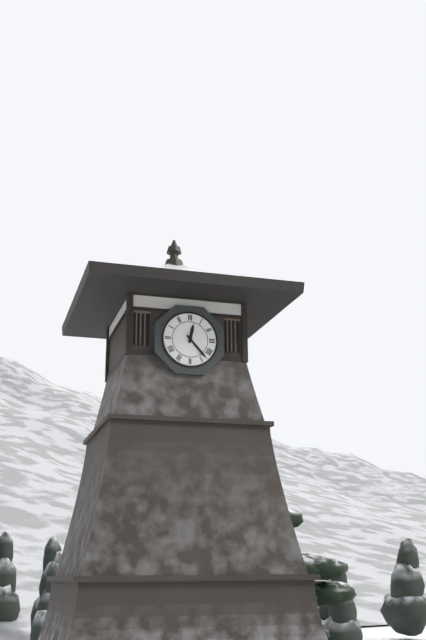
12:23
